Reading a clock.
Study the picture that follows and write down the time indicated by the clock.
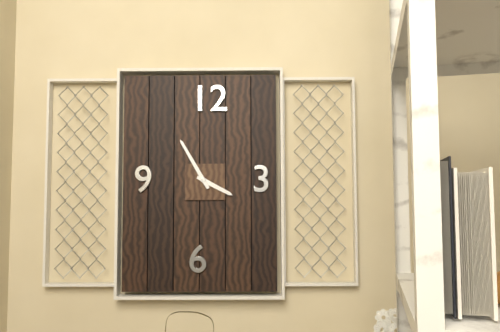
3:55
